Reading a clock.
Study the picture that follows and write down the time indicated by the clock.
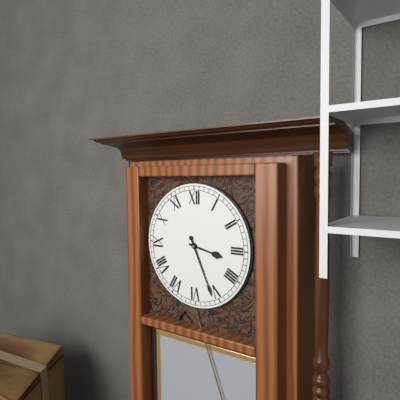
3:26
